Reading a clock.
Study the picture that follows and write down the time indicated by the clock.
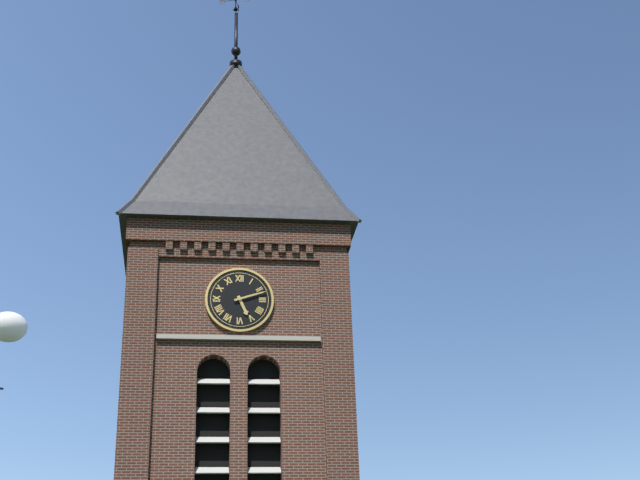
5:12
